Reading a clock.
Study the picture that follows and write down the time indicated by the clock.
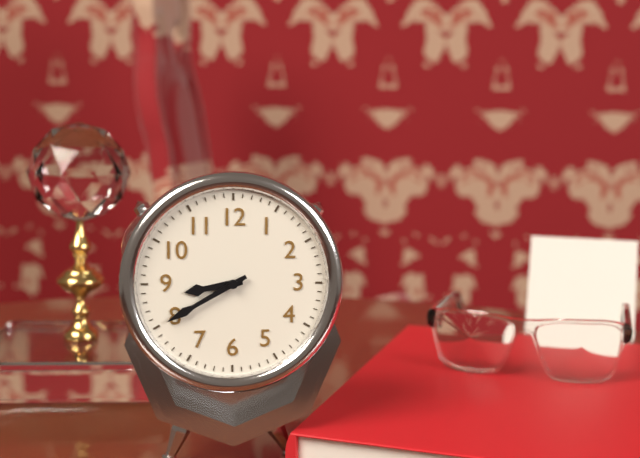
8:40
